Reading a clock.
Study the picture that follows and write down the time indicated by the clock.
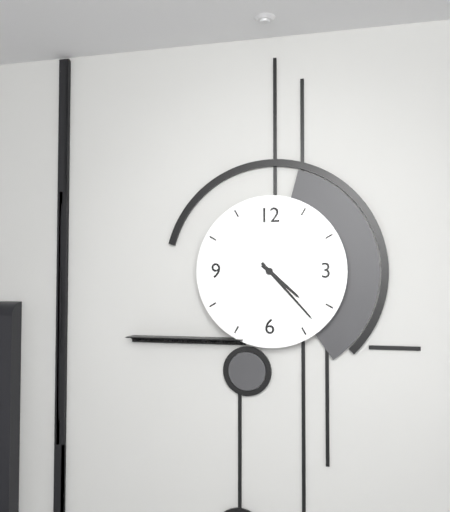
4:23
